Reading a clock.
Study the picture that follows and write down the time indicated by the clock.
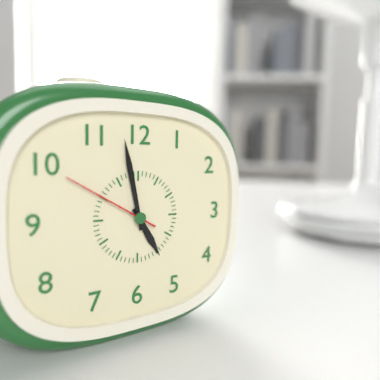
4:58:50
